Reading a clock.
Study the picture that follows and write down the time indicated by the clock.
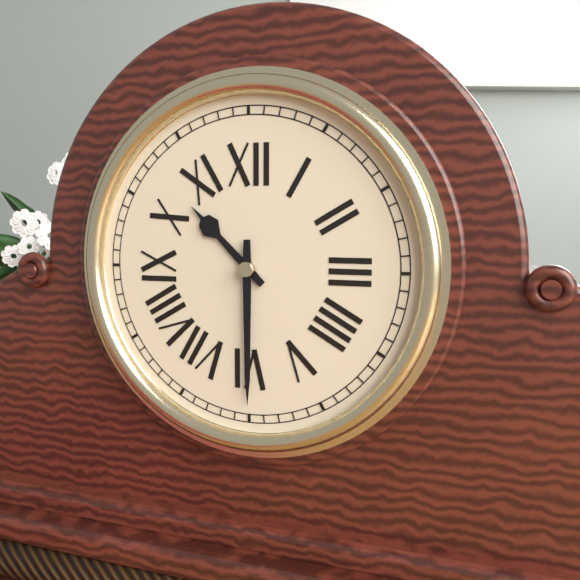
10:30
